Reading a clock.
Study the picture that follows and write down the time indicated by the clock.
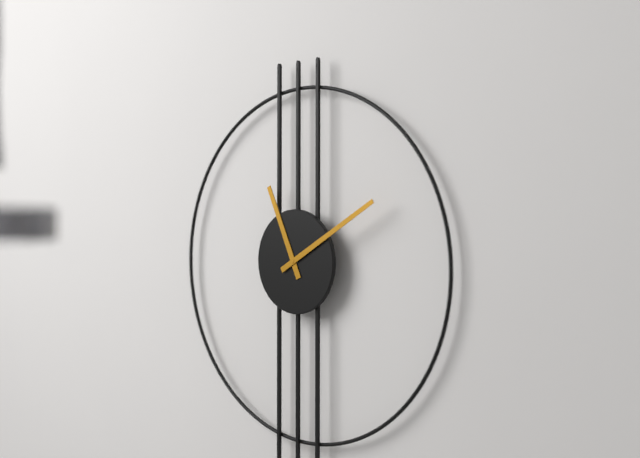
11:10
